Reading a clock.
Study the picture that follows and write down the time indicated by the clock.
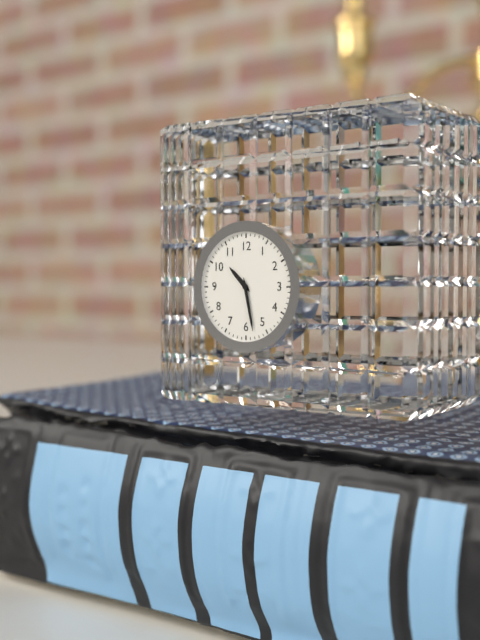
10:28
